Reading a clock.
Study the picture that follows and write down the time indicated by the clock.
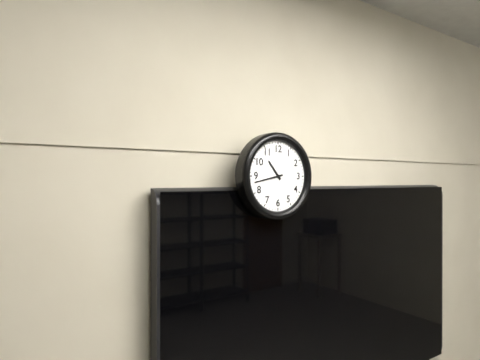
10:43
